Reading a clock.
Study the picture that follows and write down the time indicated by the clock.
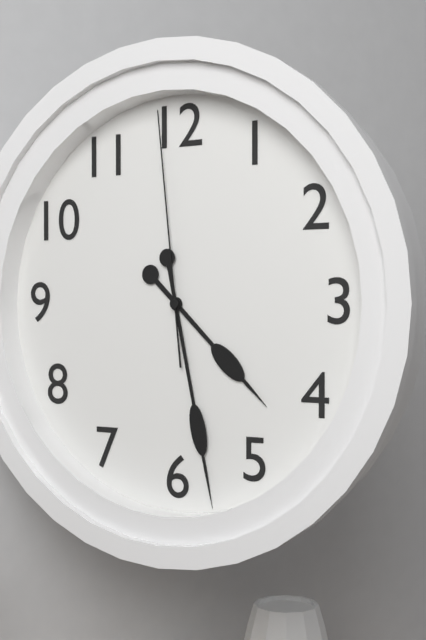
4:28:59
